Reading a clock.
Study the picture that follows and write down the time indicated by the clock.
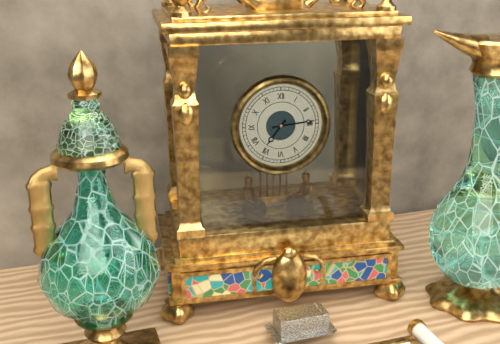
7:14
